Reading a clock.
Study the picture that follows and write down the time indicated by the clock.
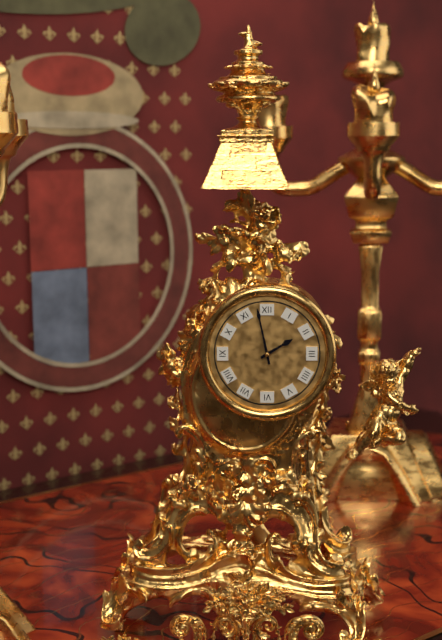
1:58
